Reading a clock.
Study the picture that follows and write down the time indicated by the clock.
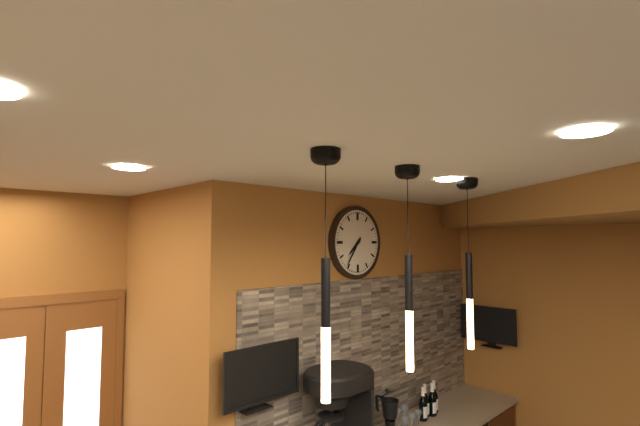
7:36
